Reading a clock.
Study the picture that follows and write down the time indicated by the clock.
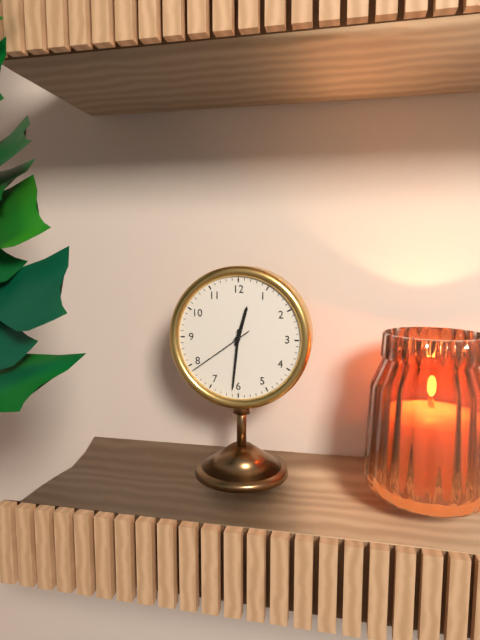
12:31:39
